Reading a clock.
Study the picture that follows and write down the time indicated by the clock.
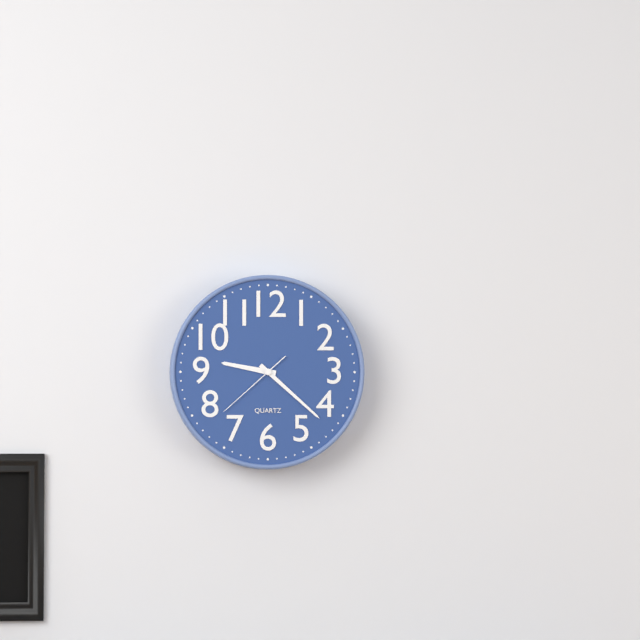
9:22:38
